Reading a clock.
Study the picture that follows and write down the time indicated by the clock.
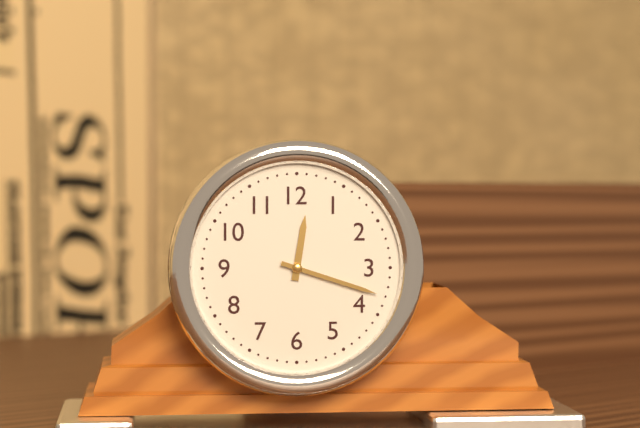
12:18
